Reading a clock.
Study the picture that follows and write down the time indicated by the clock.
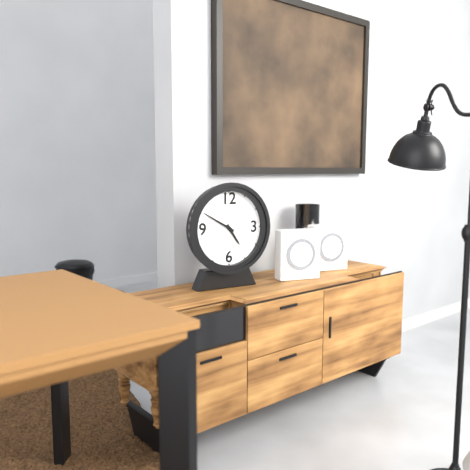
4:50
